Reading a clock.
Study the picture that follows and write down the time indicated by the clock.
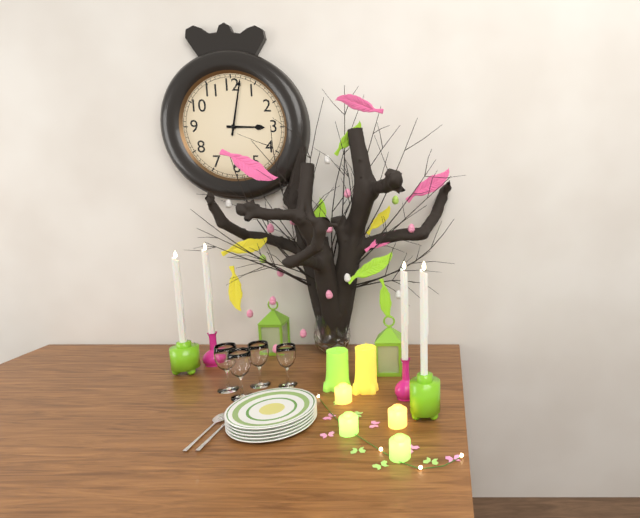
3:02
